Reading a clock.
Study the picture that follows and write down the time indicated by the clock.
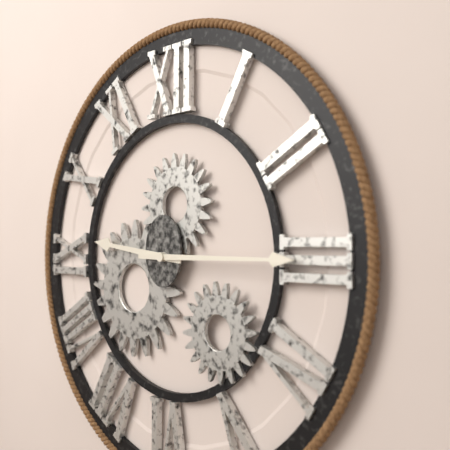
9:15
